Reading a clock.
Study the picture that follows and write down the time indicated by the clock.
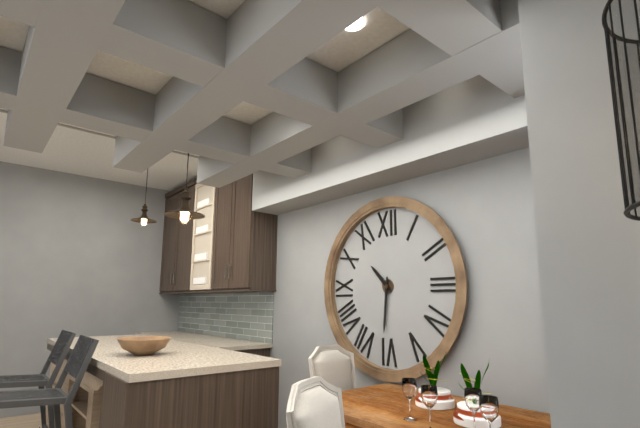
10:31
